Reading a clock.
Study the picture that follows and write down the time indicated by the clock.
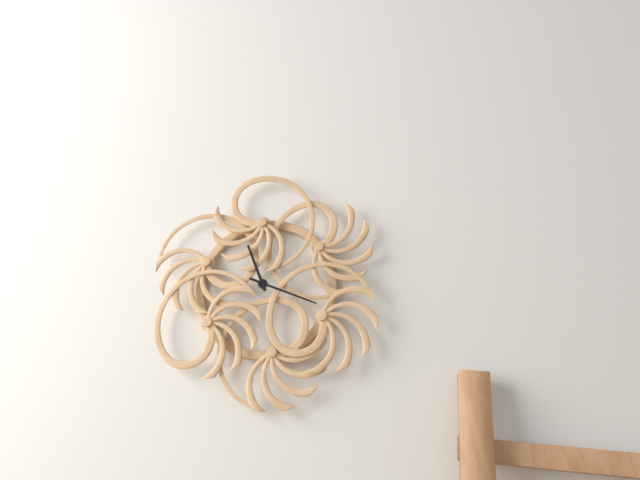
11:19
